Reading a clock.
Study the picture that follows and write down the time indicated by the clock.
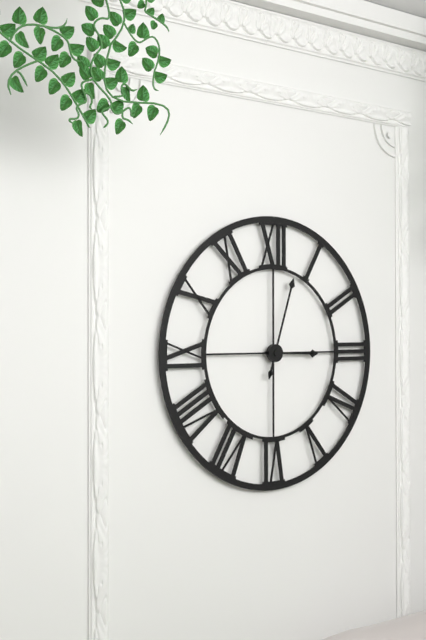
3:03
